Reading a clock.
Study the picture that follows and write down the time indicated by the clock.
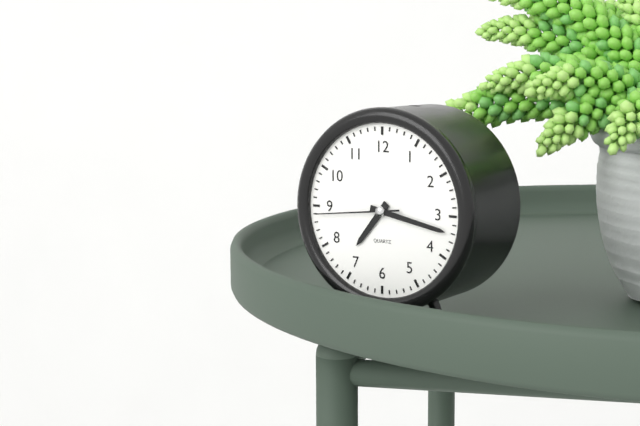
7:17:44
